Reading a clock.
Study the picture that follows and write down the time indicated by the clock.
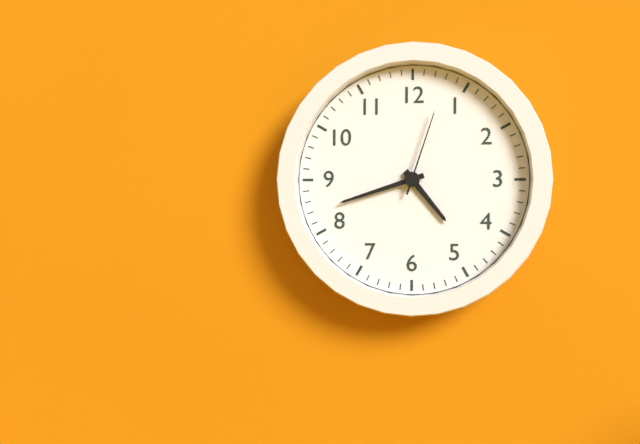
4:42:03
